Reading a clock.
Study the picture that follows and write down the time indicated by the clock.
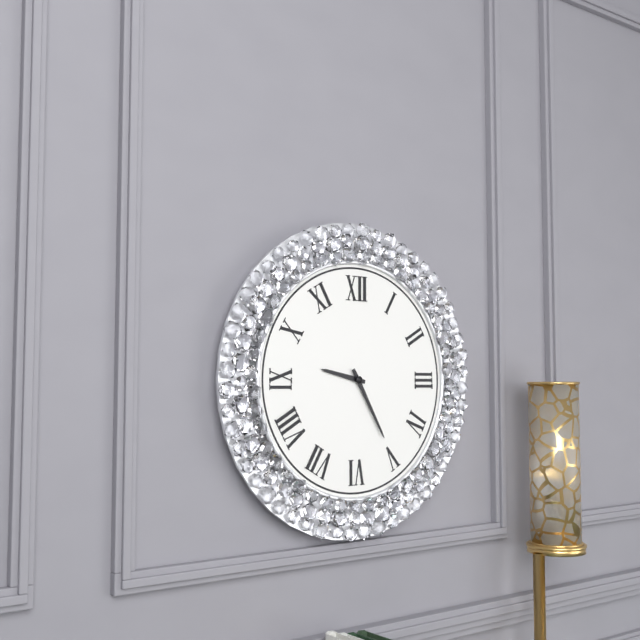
9:25
